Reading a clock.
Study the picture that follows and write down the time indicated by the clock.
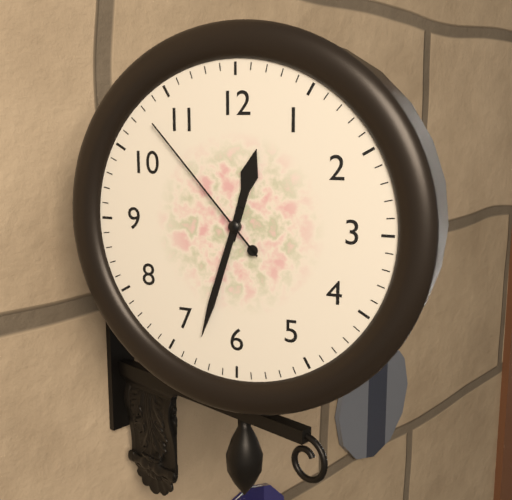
12:33:53
